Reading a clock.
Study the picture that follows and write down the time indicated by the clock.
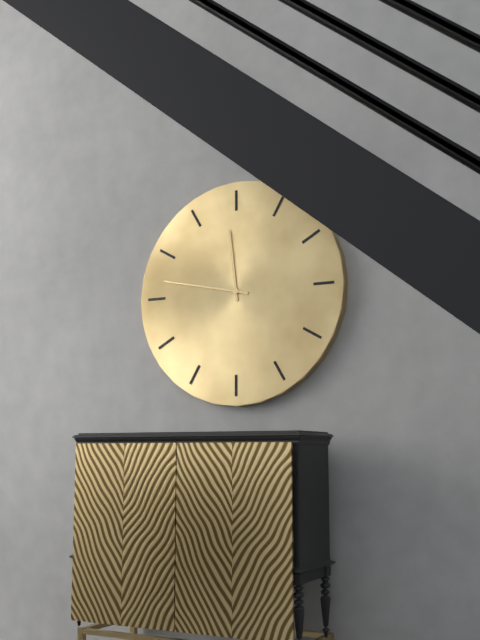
11:47
